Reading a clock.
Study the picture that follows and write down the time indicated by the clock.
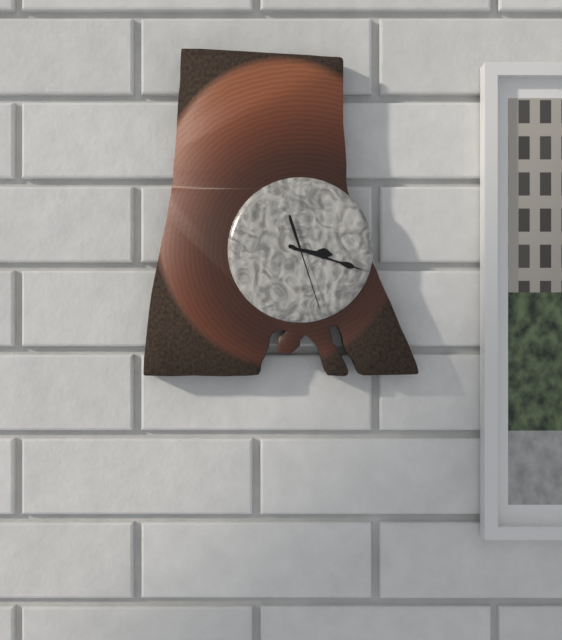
3:18:27
